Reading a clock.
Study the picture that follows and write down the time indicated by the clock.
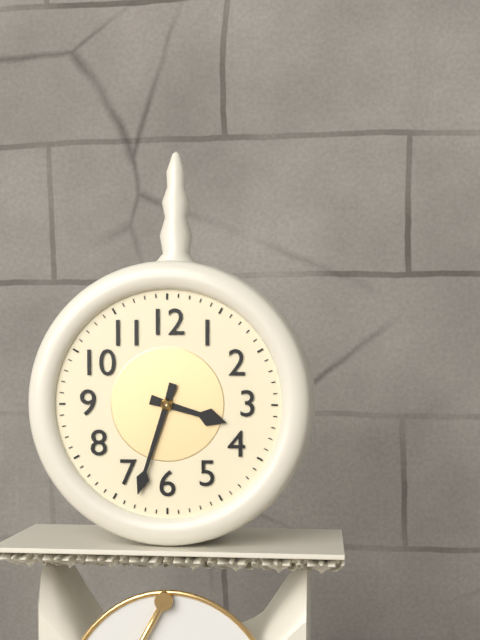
3:33
